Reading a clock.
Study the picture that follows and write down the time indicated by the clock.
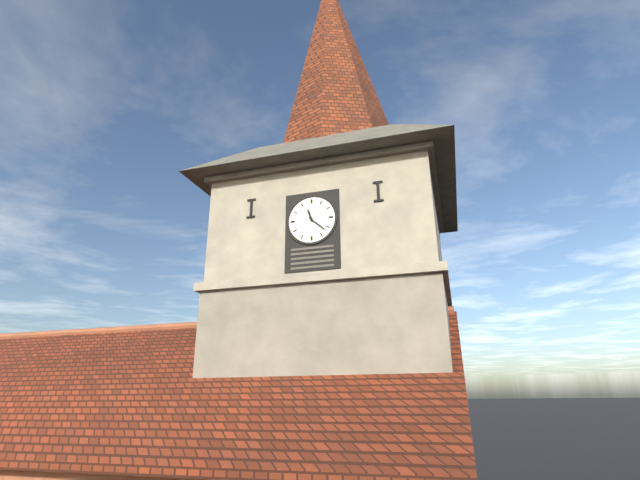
11:22
